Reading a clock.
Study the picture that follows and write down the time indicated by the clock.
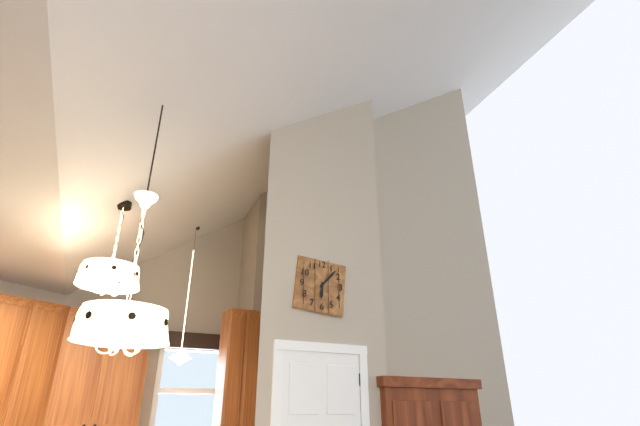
6:07
